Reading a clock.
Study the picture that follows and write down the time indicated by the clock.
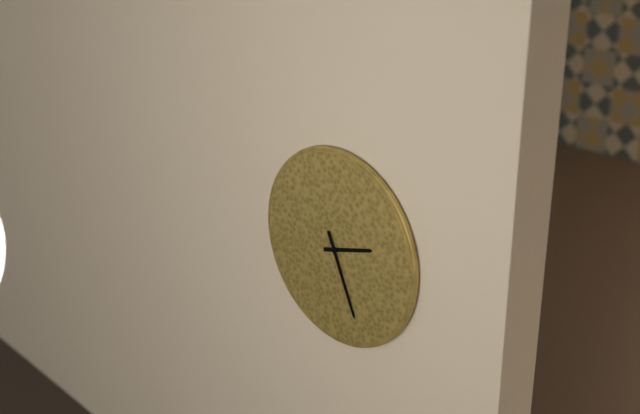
2:26
